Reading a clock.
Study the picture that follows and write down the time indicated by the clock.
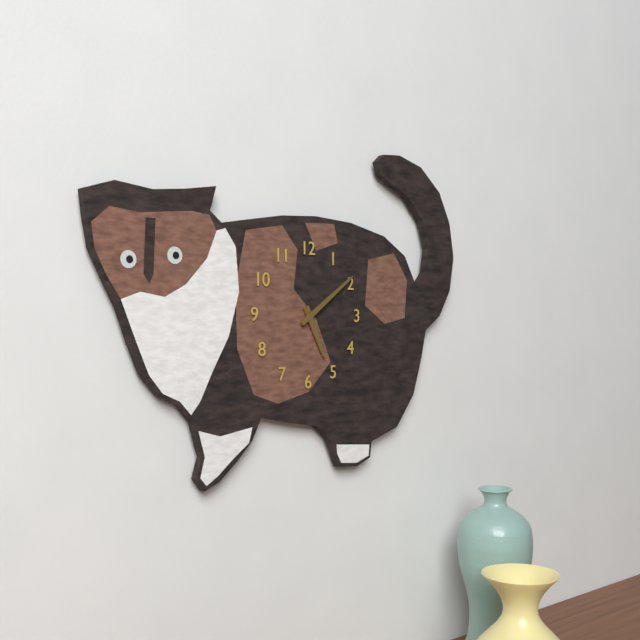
5:09
